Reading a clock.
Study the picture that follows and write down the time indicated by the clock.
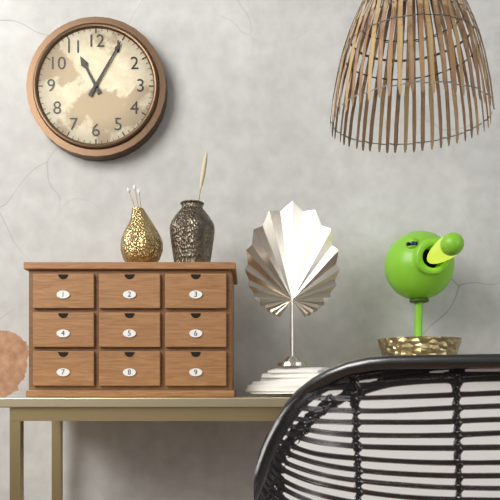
11:05
